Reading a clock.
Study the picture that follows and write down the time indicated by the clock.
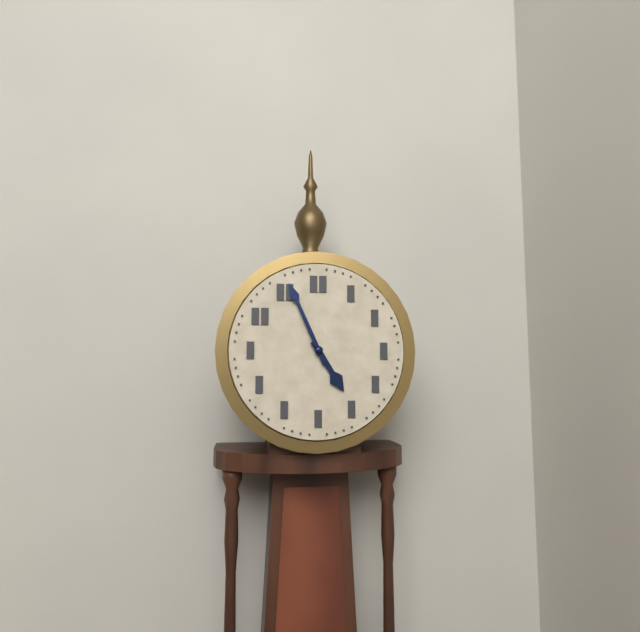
4:56
